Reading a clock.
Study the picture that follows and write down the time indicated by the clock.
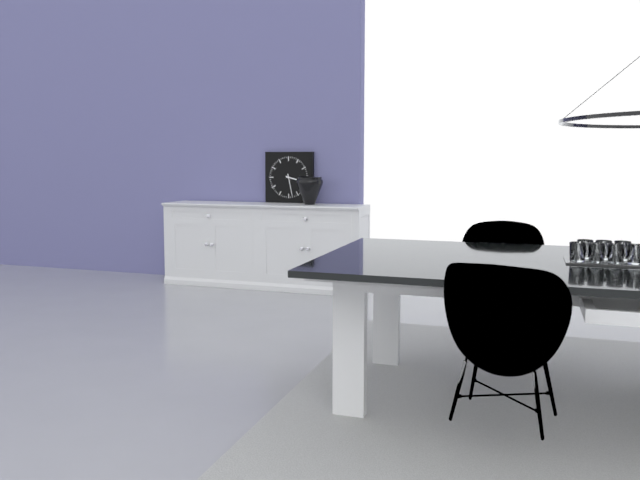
3:28
